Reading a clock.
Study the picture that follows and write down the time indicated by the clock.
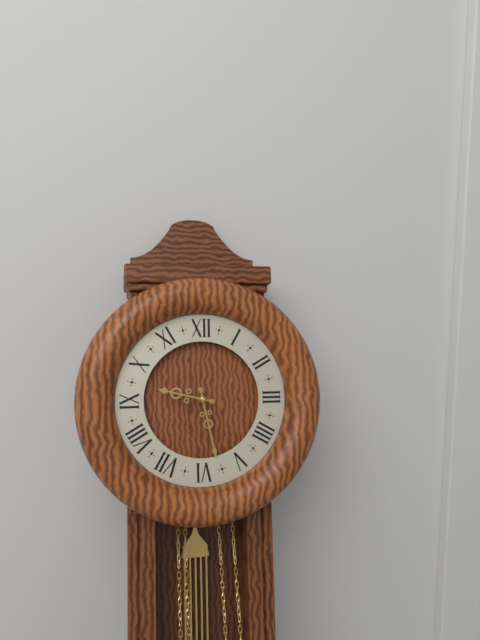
9:28
